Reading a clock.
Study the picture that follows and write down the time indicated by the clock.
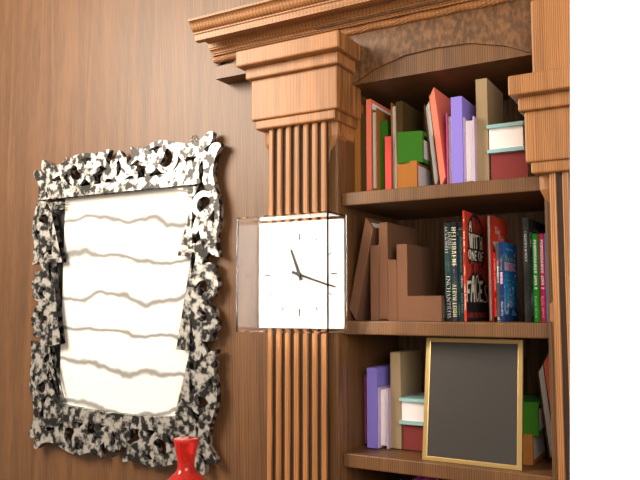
11:18
